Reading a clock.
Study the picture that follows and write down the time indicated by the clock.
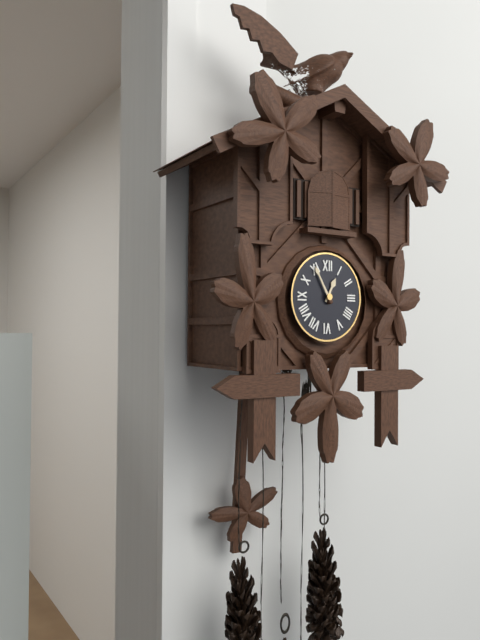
12:55
